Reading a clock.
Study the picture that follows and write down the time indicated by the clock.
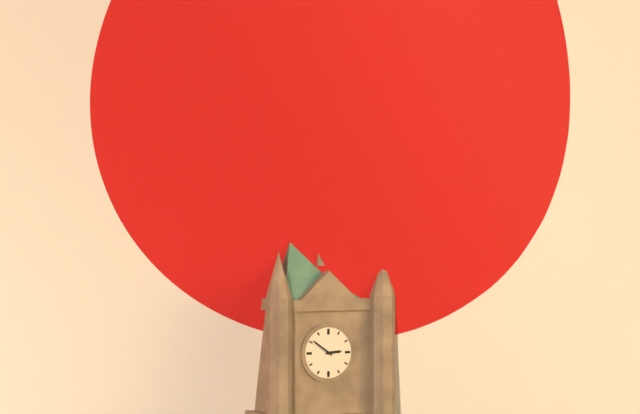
2:51
